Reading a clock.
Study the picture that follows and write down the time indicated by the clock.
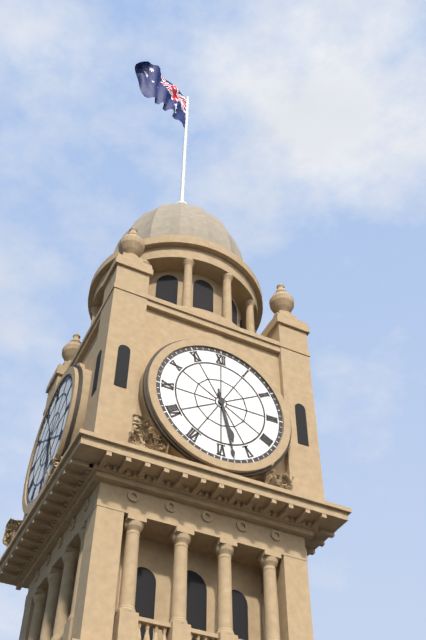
5:28
